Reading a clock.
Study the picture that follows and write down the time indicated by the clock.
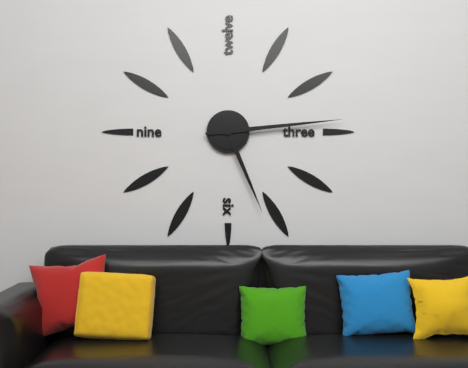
5:14
